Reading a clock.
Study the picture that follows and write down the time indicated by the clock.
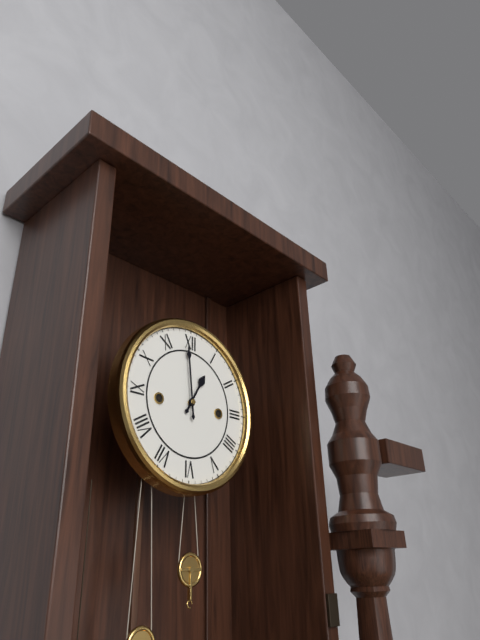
12:59
